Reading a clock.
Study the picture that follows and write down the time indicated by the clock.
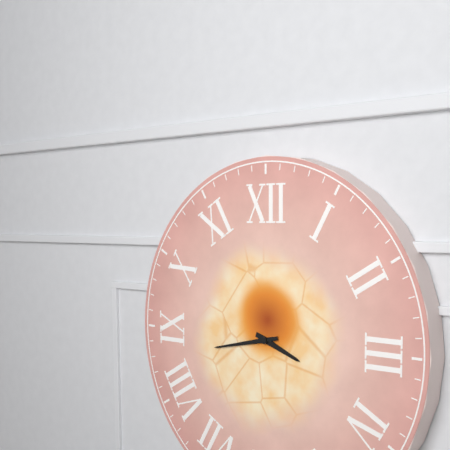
3:43
